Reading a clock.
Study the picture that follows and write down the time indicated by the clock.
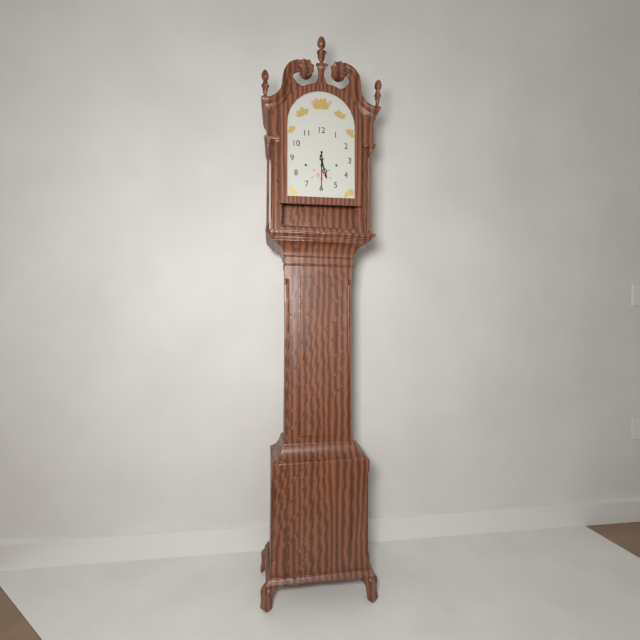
5:30
